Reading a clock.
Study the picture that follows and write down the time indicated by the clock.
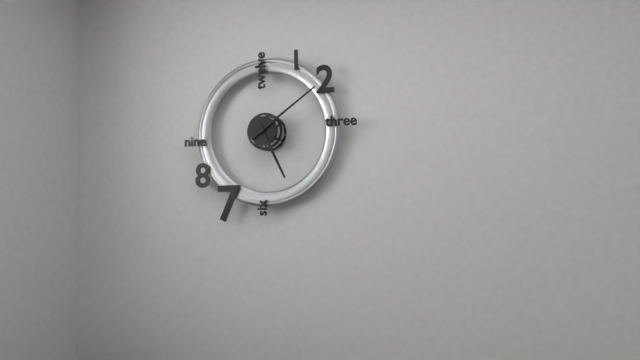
5:09
